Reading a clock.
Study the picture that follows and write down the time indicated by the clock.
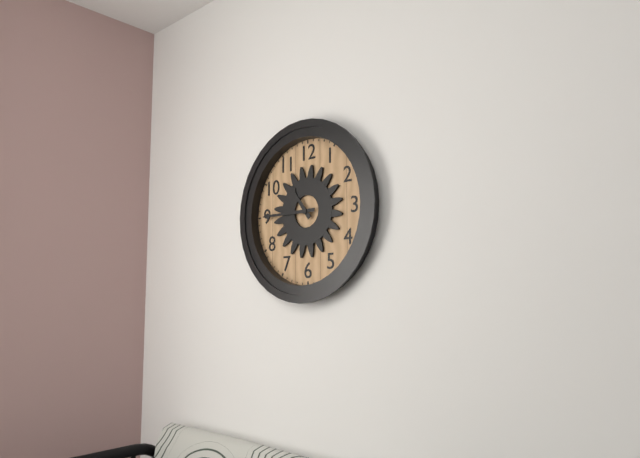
10:45
